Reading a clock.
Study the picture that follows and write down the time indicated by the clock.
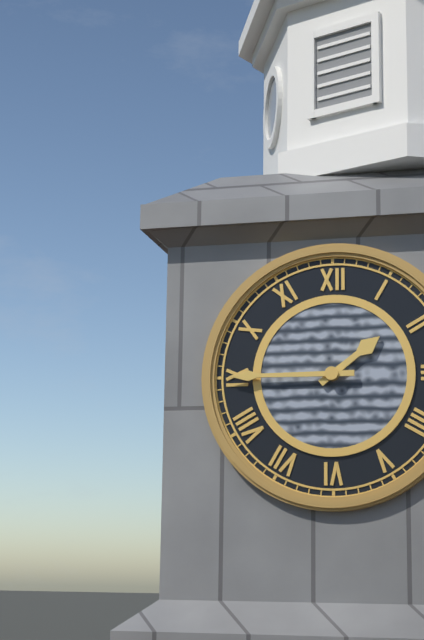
1:45
